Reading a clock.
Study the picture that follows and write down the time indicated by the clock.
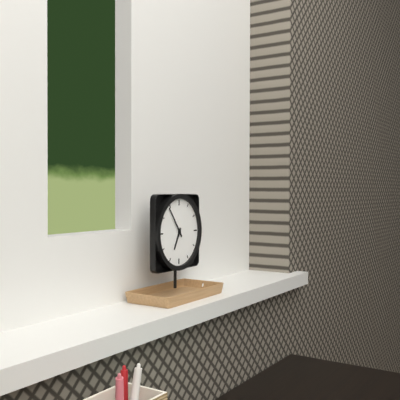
6:54
